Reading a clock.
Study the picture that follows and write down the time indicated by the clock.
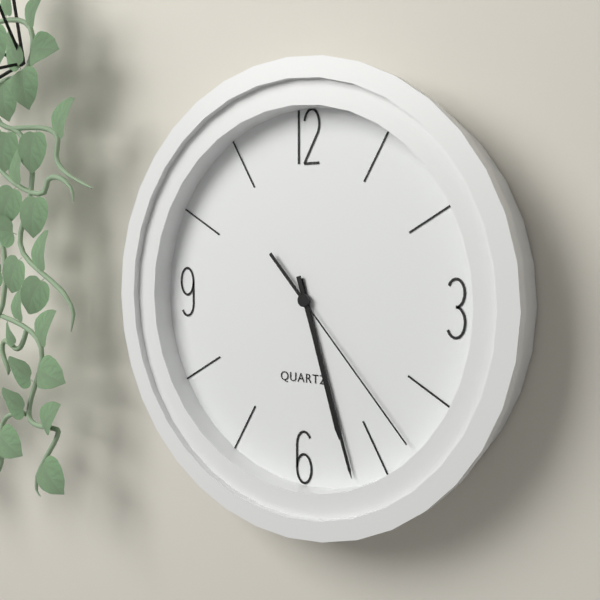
5:27:23
